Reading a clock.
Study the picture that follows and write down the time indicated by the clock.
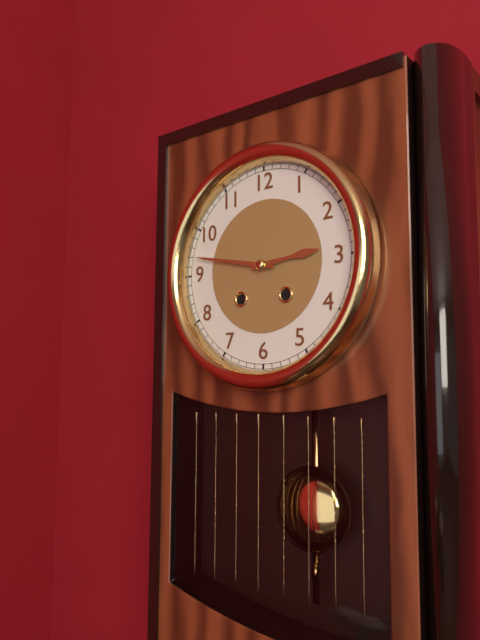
2:47
